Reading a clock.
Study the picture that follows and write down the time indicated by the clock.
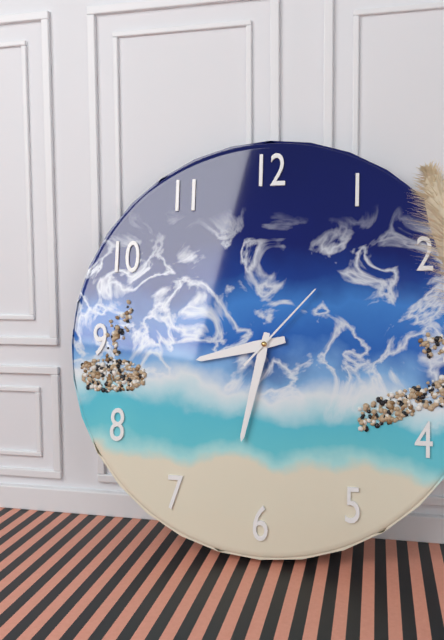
8:32:07
